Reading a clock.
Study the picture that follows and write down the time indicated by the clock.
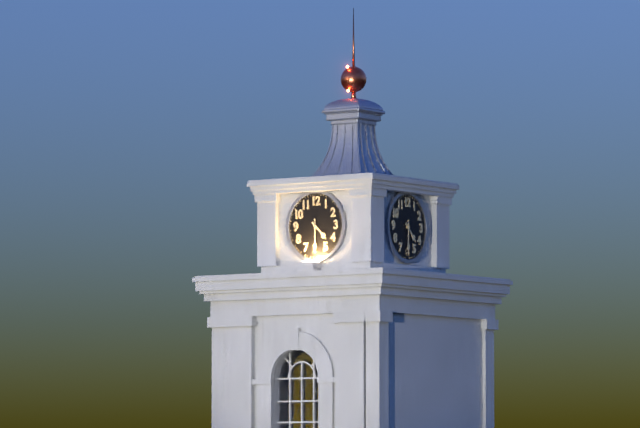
4:30
